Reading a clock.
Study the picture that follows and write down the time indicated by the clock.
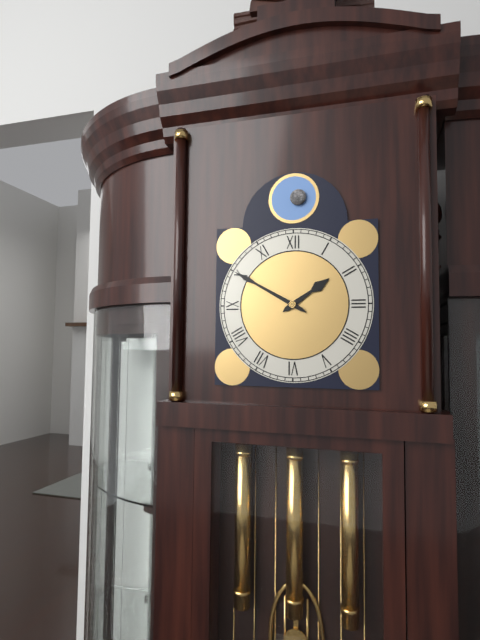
1:50
